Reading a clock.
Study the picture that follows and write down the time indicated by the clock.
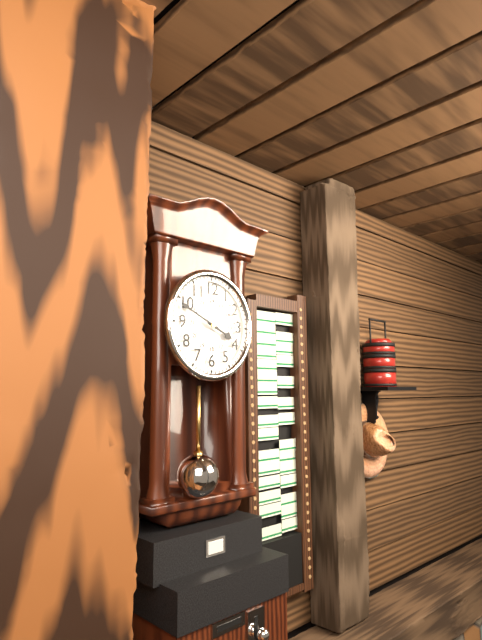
3:49
